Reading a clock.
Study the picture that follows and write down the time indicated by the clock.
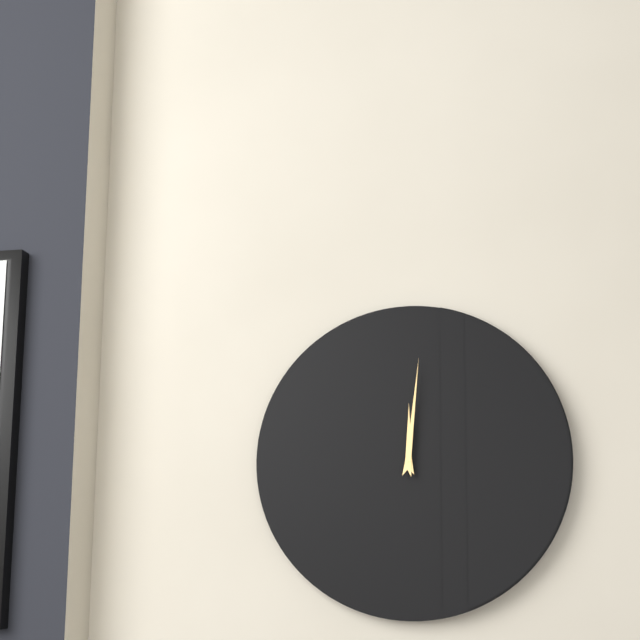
12:01
